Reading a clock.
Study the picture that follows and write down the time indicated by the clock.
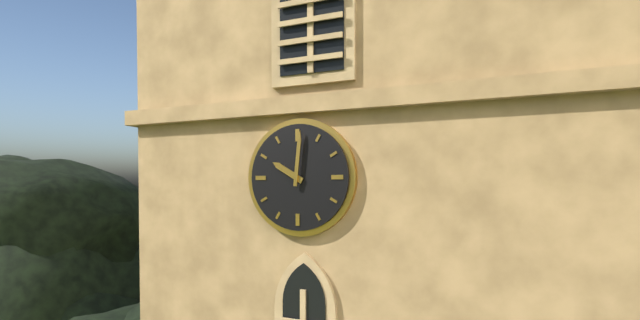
10:01
